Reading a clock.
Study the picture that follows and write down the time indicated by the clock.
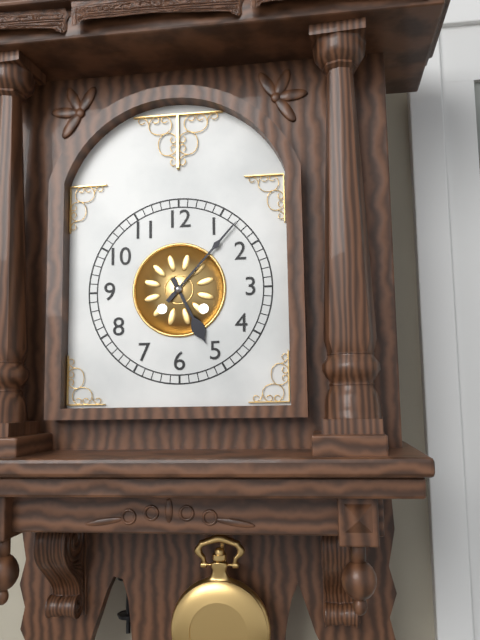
5:07
